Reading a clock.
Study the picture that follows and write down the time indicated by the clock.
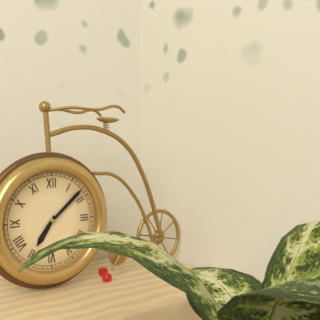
7:08
